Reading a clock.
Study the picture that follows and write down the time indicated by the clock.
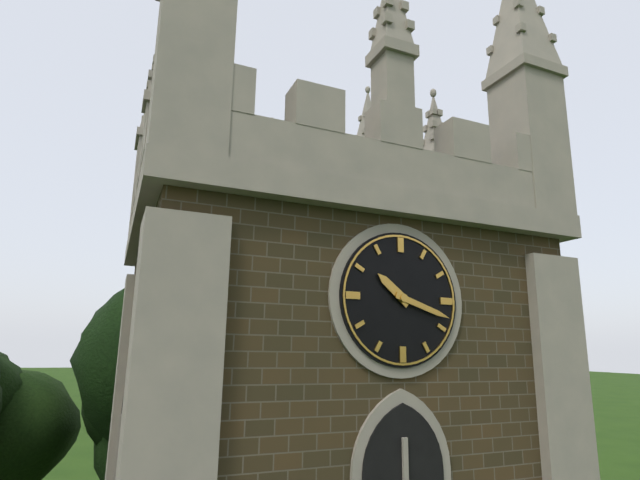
10:18
